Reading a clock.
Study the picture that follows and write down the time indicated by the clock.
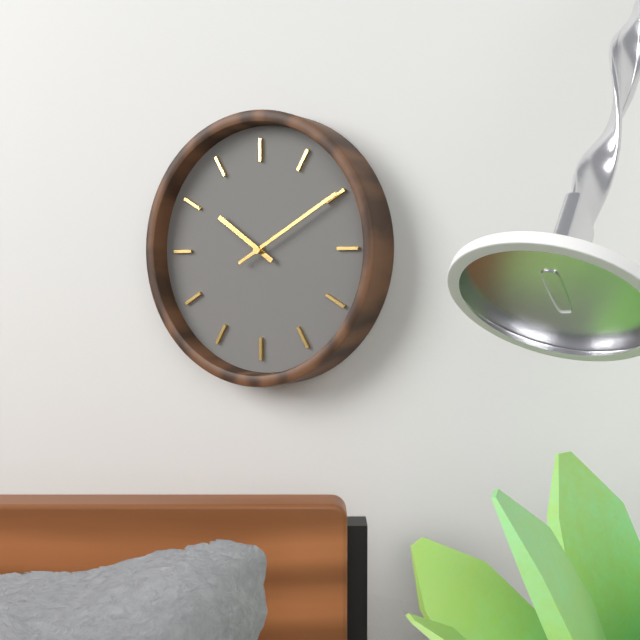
10:10
